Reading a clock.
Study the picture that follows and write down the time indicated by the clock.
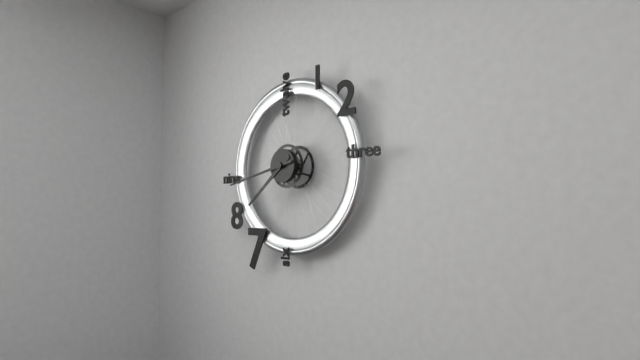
7:43
